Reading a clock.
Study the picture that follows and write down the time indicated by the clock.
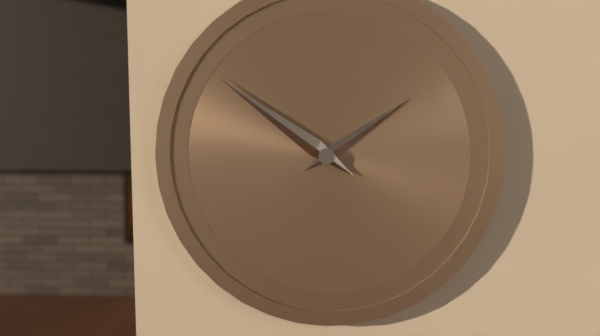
1:51
